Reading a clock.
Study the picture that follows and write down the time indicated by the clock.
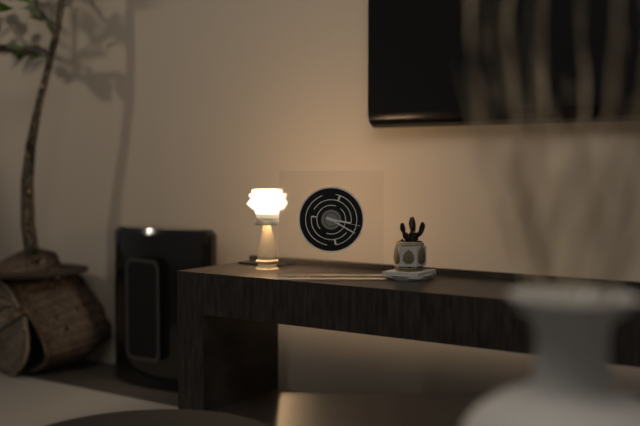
3:20
